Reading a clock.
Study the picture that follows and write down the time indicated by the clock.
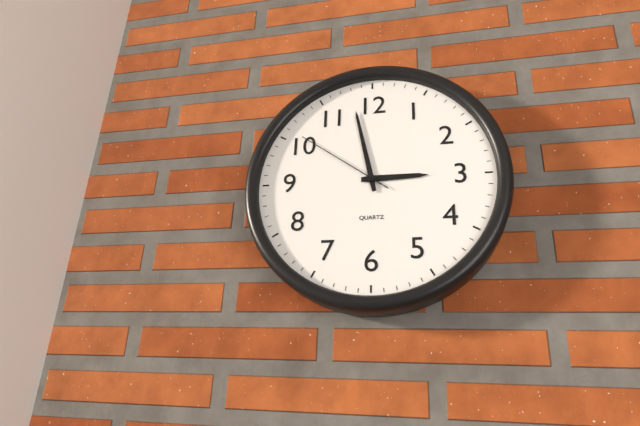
2:58:51
